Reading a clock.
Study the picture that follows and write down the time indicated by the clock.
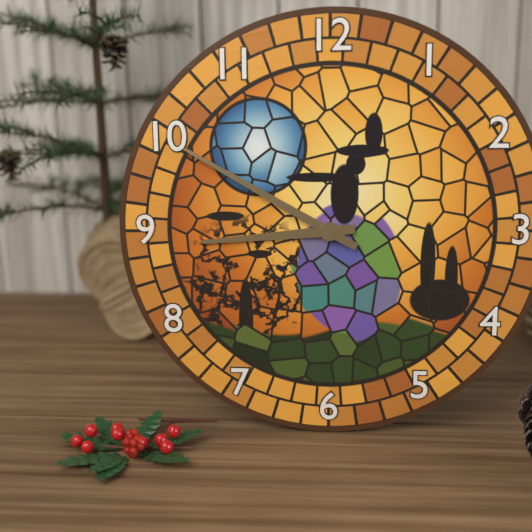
8:50
